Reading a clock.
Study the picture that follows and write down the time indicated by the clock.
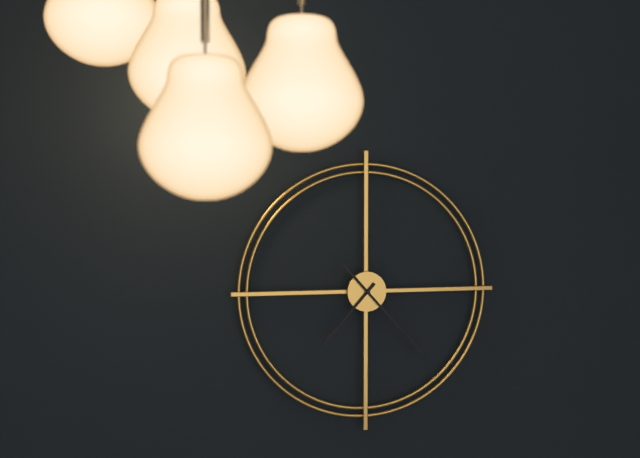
7:23
